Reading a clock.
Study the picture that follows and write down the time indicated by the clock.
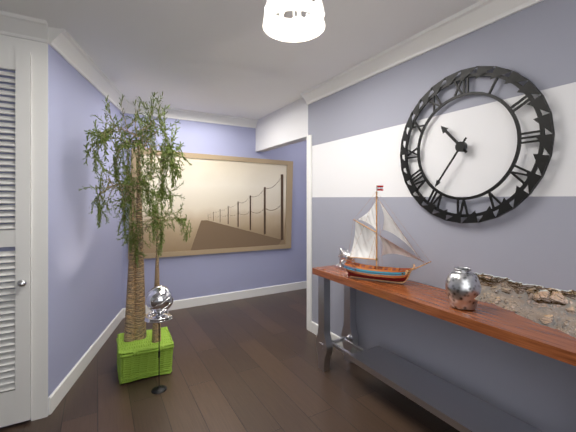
10:36
